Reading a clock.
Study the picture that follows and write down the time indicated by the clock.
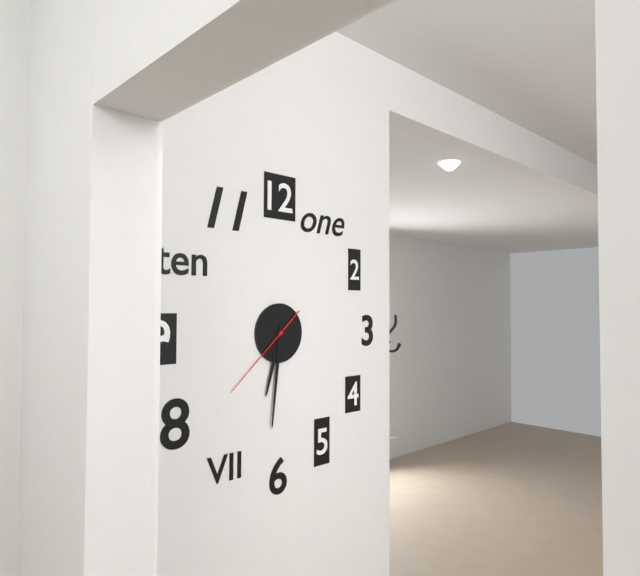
6:31:38
